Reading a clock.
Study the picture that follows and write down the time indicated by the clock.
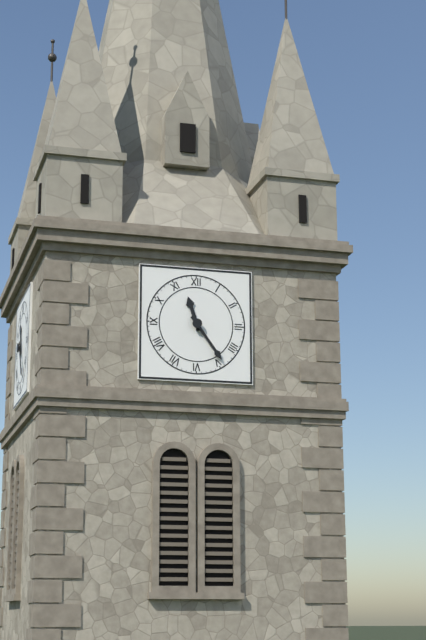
11:24
